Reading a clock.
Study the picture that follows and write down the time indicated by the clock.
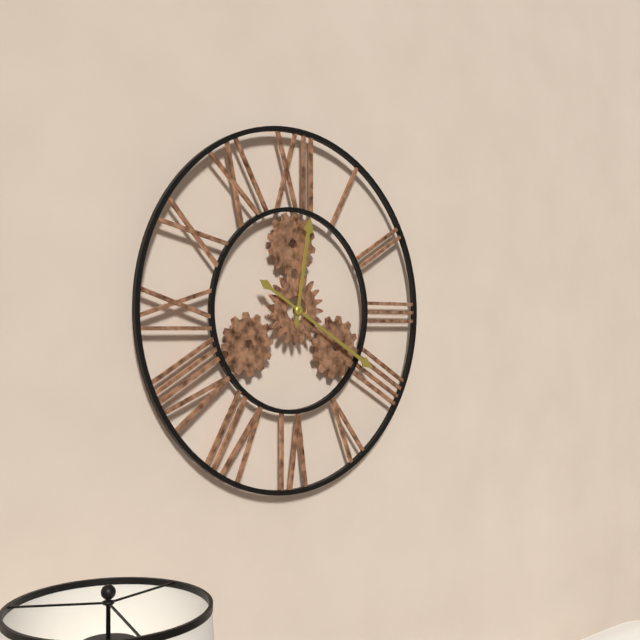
12:20
